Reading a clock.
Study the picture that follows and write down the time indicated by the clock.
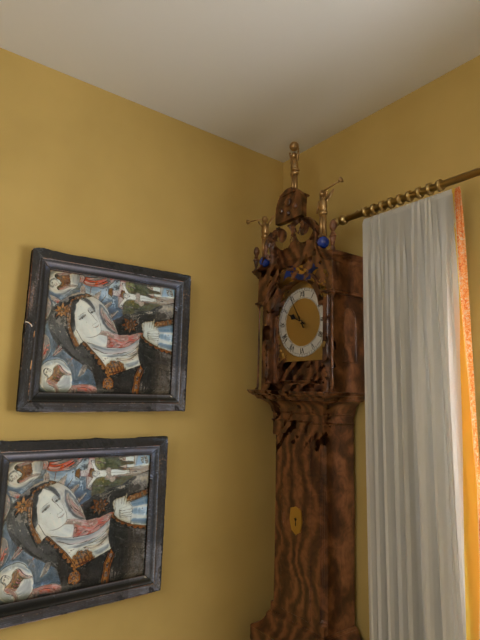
9:55
